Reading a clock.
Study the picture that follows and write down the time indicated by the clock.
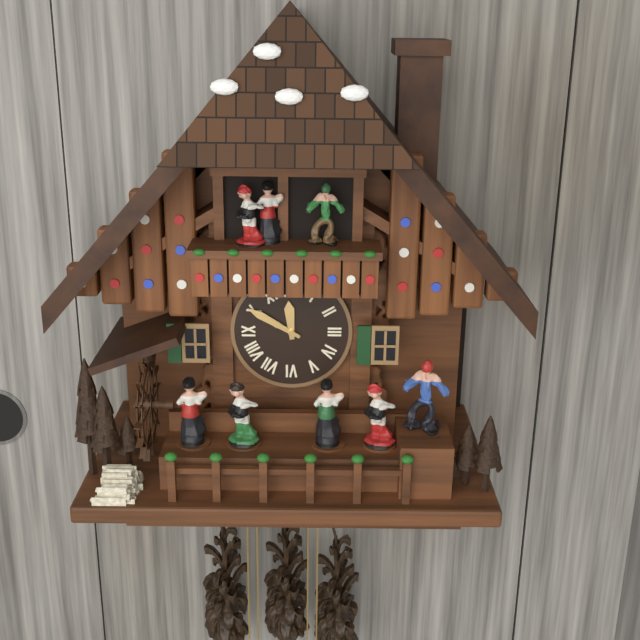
11:50
